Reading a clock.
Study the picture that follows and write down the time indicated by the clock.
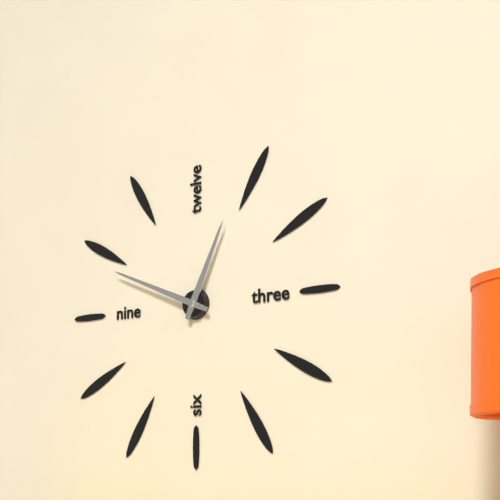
12:49
